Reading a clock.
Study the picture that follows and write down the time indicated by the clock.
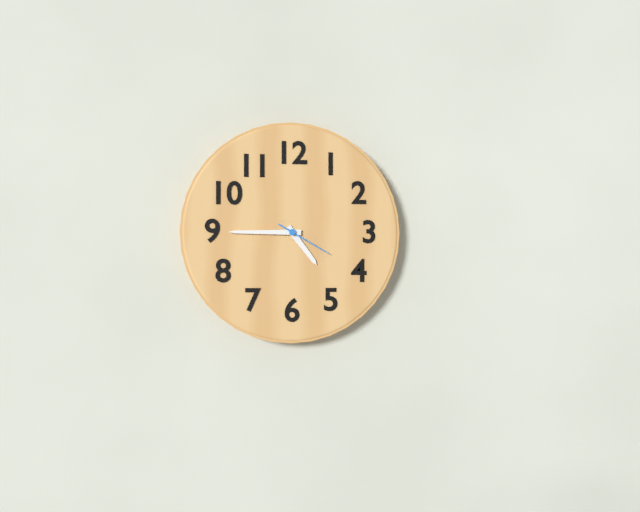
4:45:20
